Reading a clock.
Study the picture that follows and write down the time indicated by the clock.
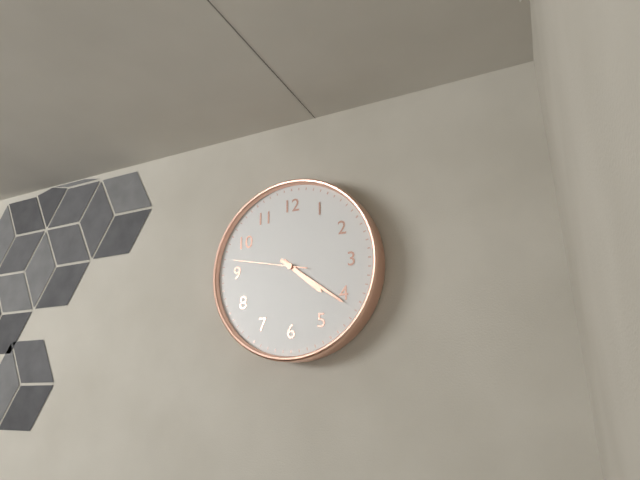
4:21:47
